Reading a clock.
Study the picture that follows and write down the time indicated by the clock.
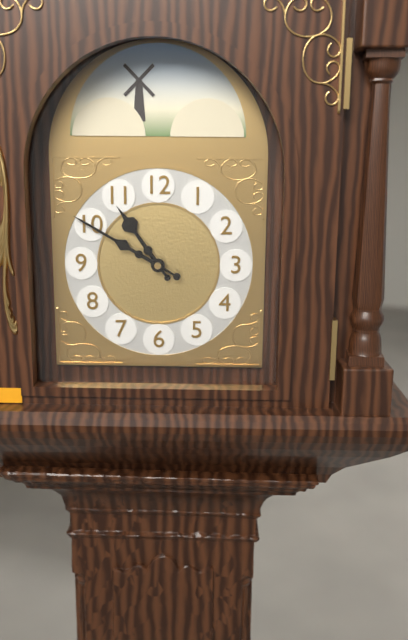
10:50
